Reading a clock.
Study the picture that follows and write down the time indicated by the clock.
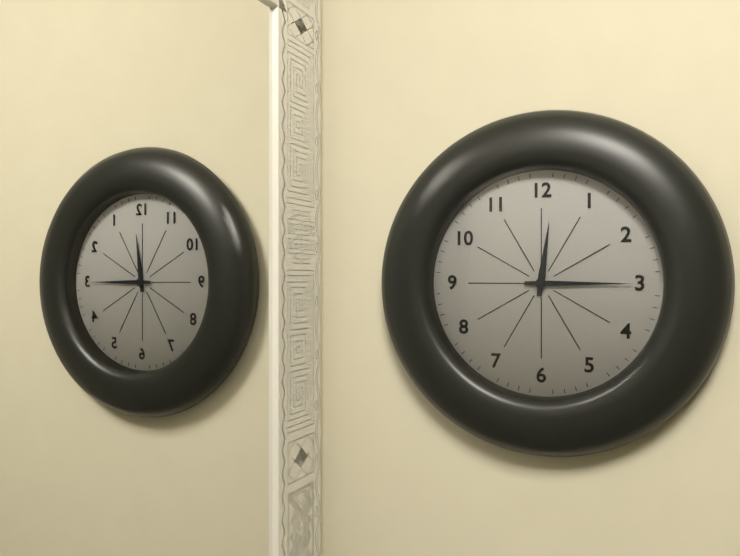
12:15
